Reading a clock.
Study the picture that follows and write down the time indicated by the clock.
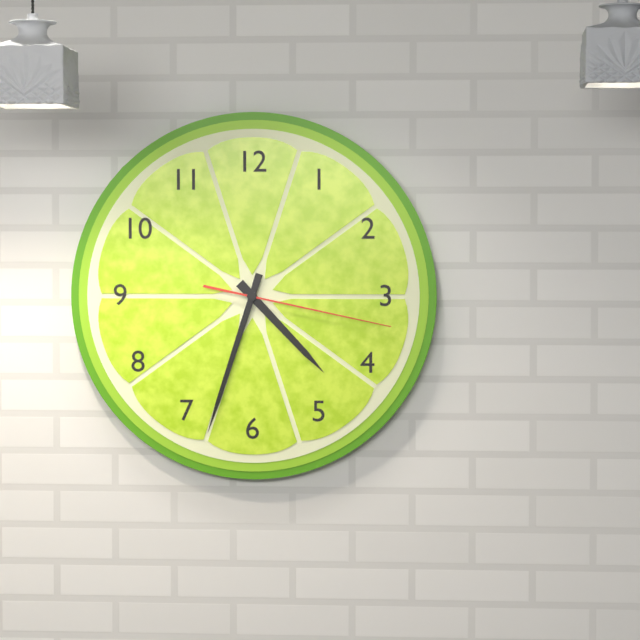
4:33:17
